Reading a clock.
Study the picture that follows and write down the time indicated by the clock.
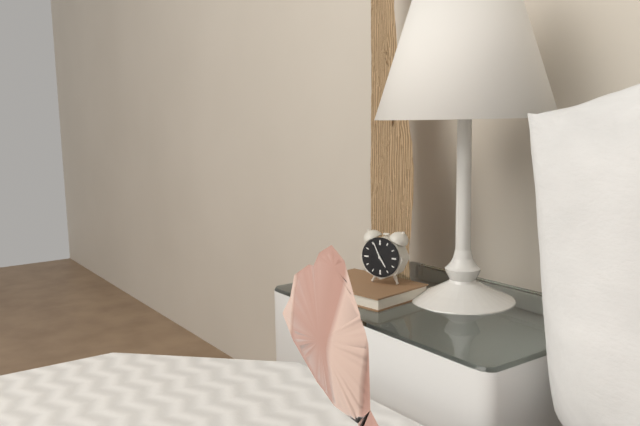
4:56
